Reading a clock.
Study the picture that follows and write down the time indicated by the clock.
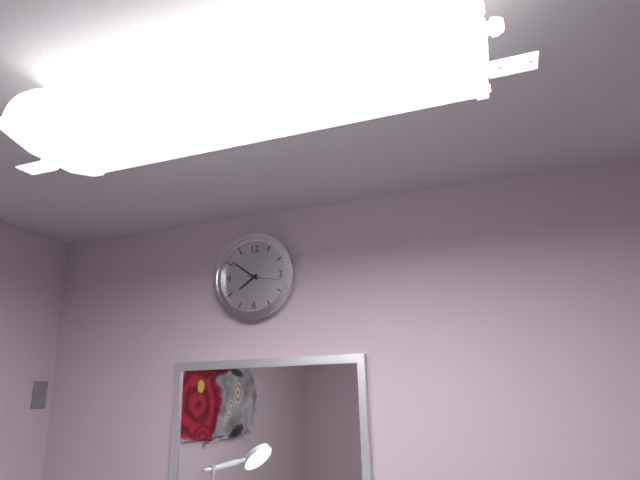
7:51
